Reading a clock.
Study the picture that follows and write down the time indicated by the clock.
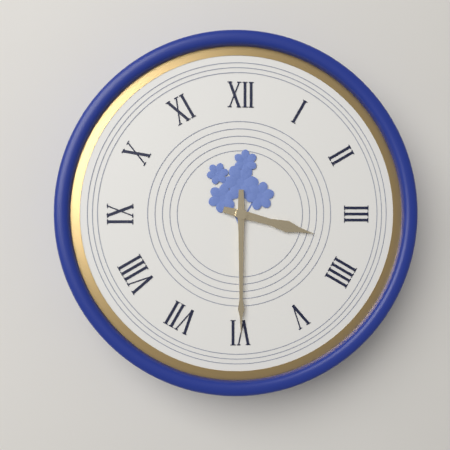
3:30
